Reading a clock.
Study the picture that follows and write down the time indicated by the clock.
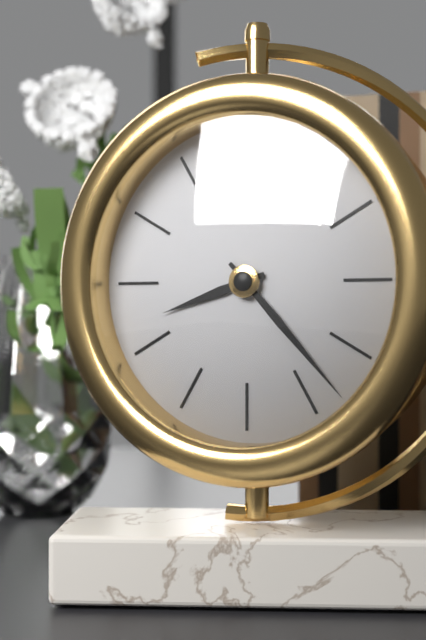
8:23
